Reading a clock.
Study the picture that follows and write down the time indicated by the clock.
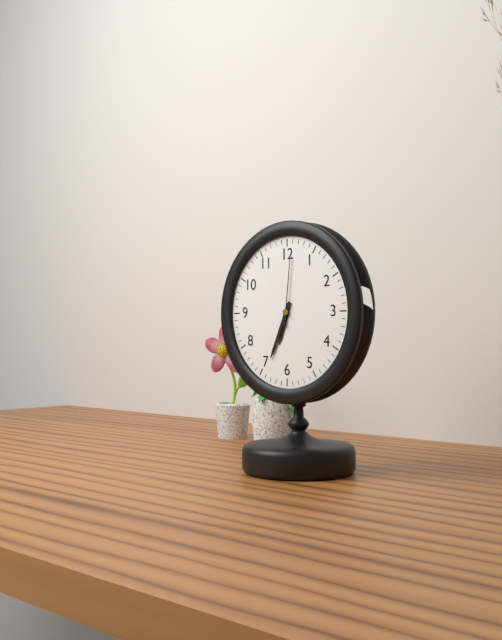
6:34:01
